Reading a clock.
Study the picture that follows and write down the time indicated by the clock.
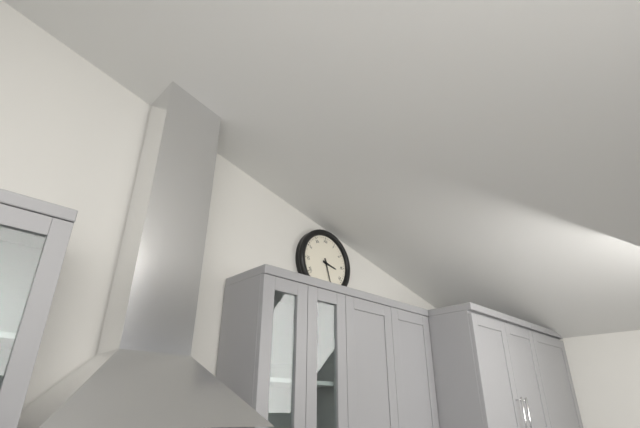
3:27
